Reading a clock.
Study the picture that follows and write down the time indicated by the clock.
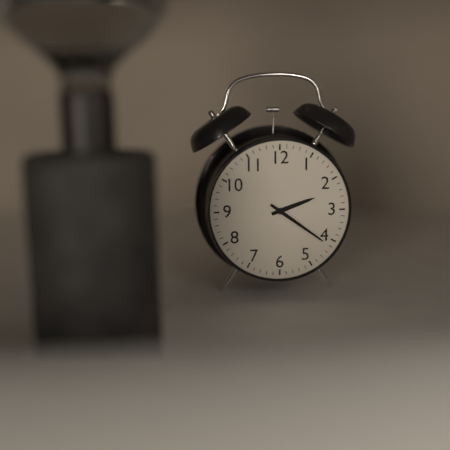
2:21
